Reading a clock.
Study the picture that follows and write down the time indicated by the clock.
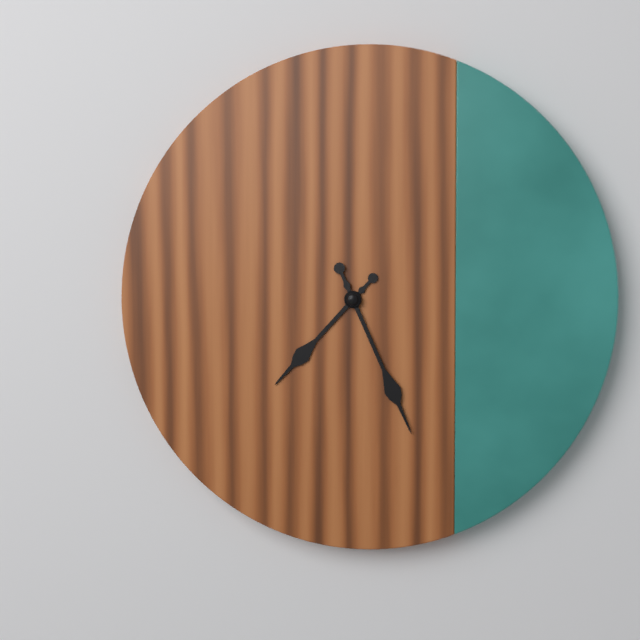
7:26
